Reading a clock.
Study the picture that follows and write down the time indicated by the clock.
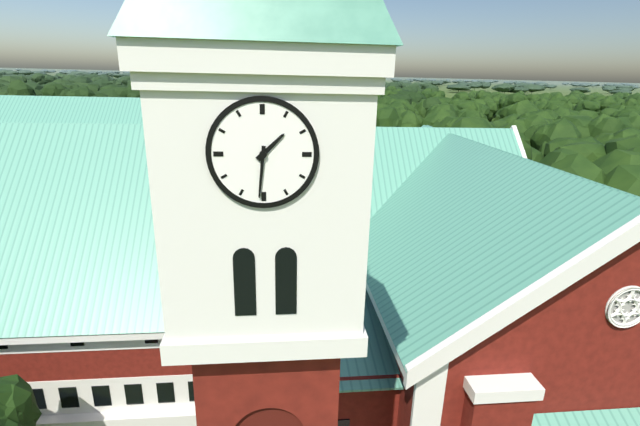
1:31
